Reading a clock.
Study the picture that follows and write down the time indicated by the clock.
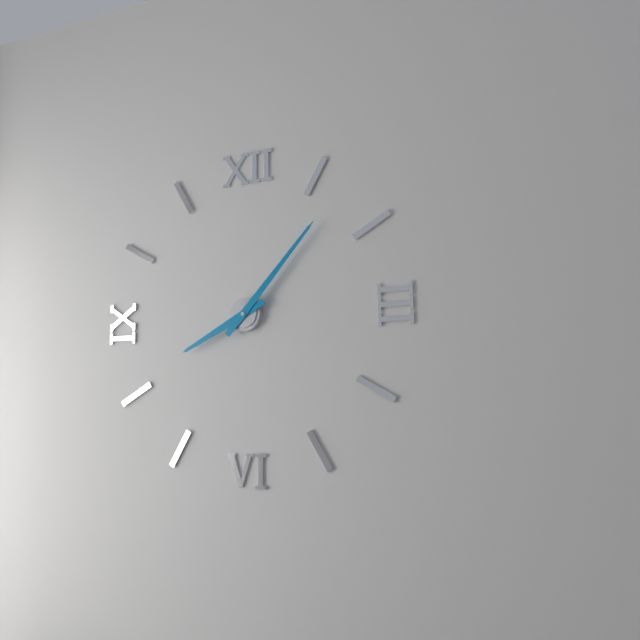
8:07
